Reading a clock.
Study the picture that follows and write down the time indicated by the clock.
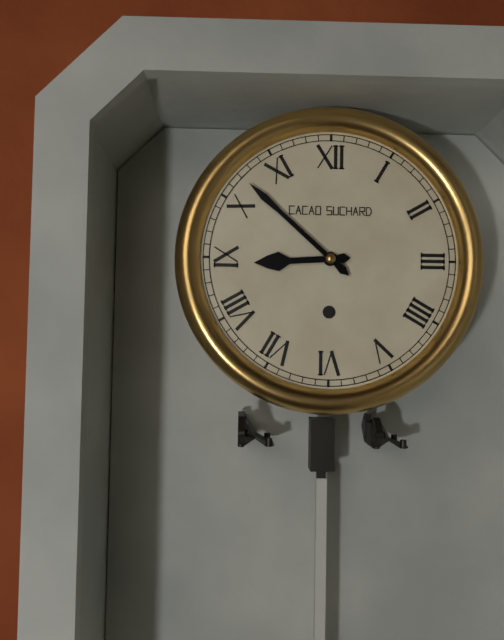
8:52
